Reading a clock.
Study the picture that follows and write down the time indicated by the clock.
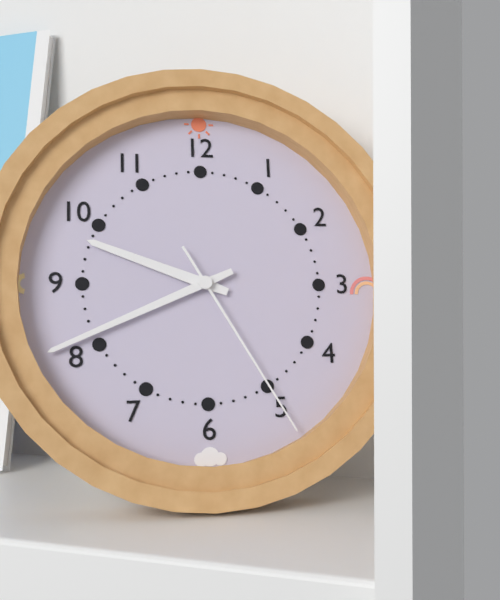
9:41:25
